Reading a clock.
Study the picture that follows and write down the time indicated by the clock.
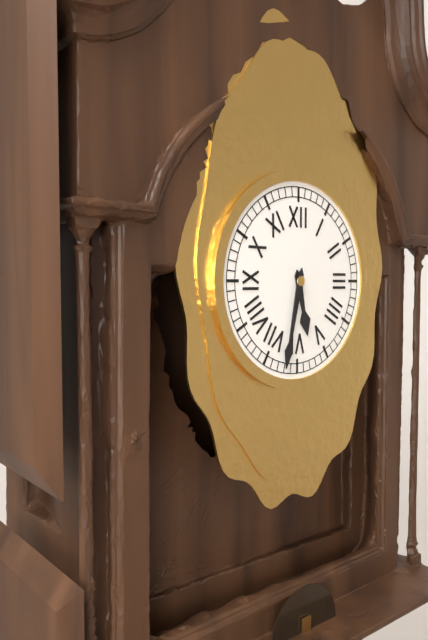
5:32
